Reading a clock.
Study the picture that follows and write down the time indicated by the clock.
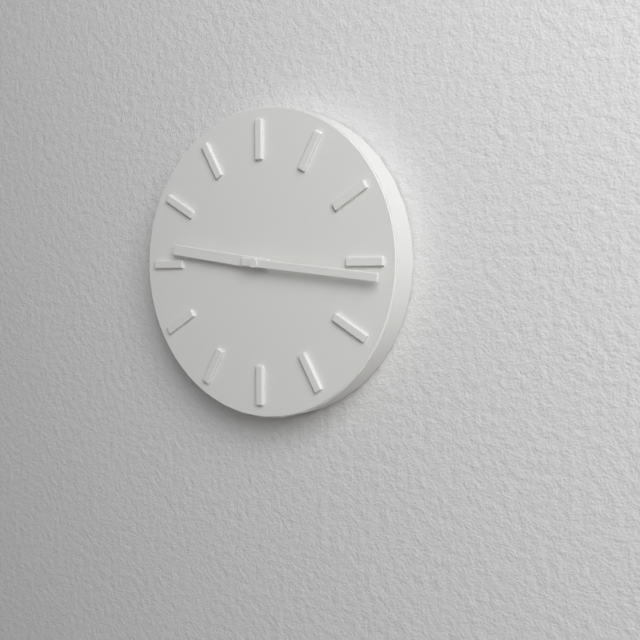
9:16
